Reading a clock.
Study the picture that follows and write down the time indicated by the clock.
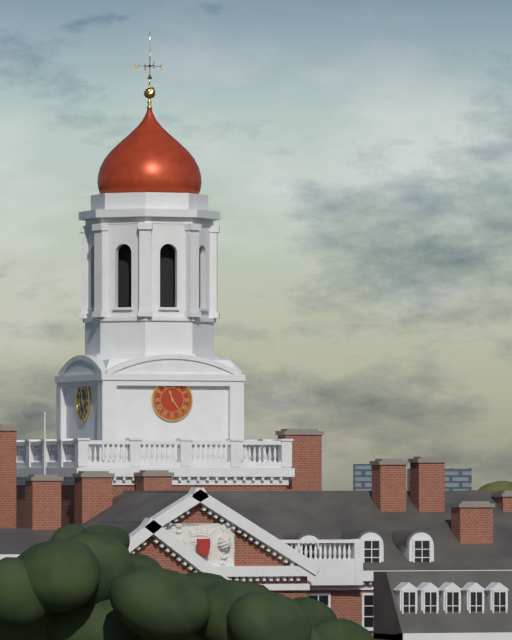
11:24
